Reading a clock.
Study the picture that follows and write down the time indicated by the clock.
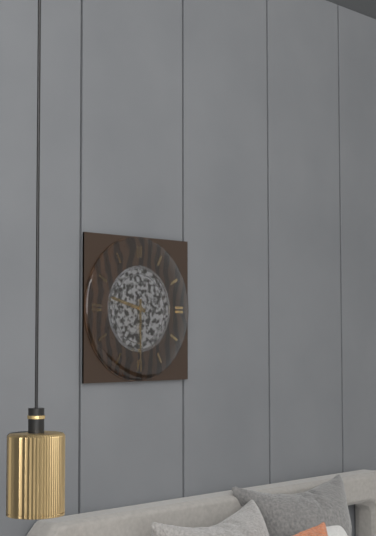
9:30
